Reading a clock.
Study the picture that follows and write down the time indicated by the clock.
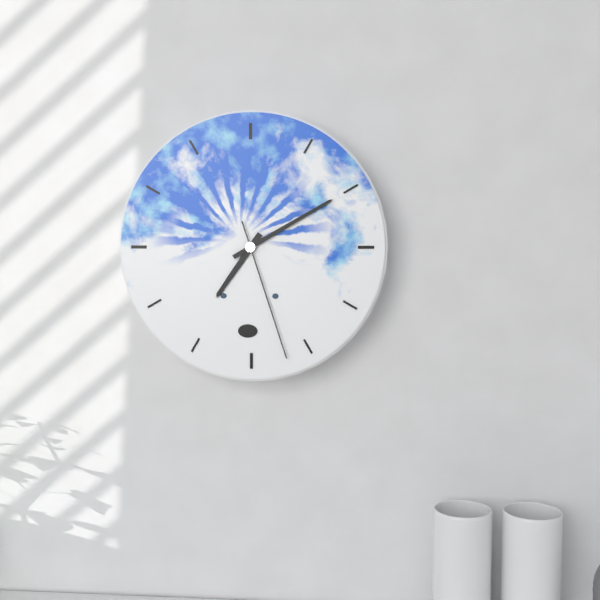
7:10:27
